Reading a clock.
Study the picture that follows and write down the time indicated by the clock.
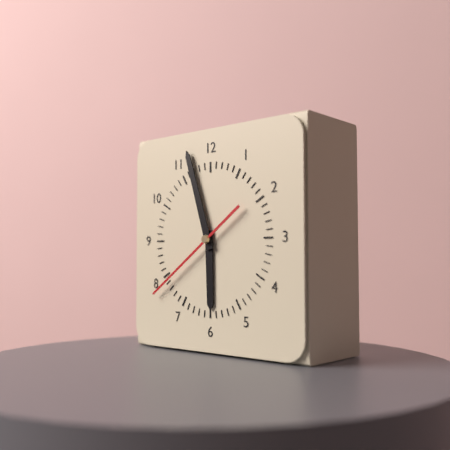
5:57:39
